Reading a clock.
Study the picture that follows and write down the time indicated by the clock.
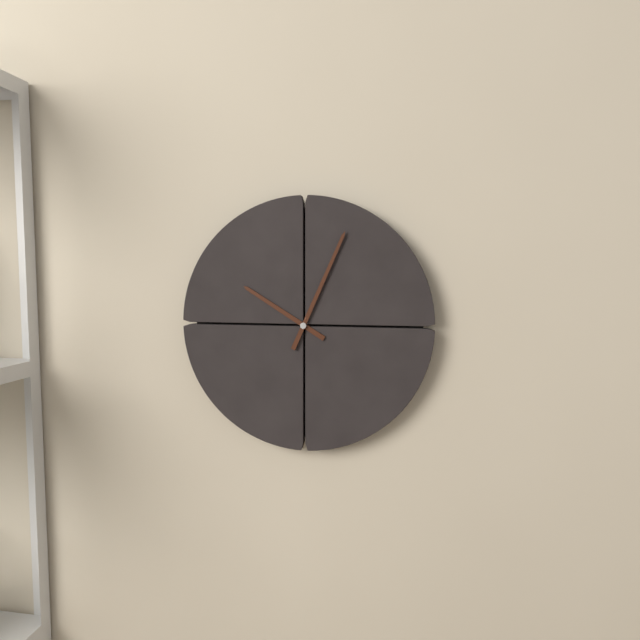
10:04
